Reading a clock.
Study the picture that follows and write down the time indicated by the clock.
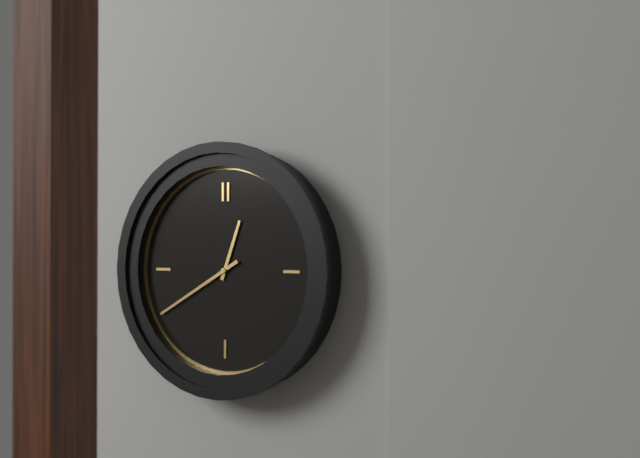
12:40
